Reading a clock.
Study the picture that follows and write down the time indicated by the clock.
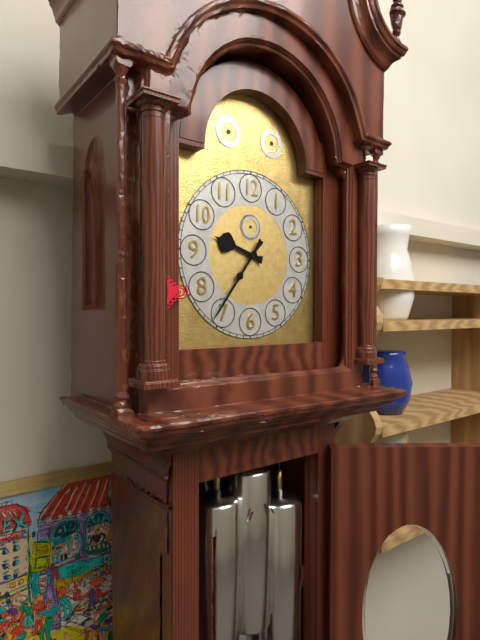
9:36
